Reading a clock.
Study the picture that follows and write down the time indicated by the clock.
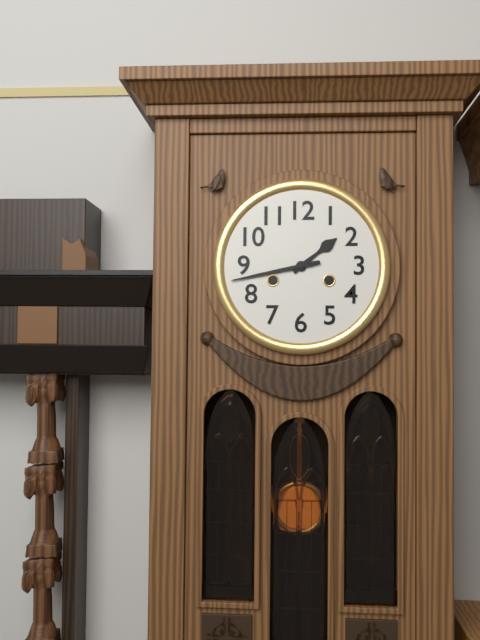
1:43
